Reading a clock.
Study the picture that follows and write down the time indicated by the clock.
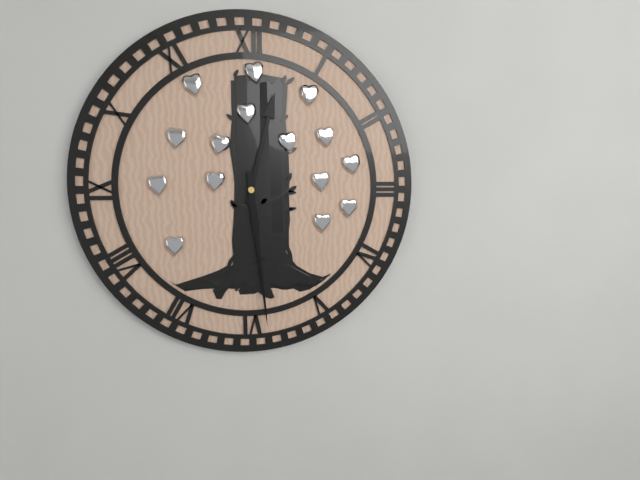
12:29
